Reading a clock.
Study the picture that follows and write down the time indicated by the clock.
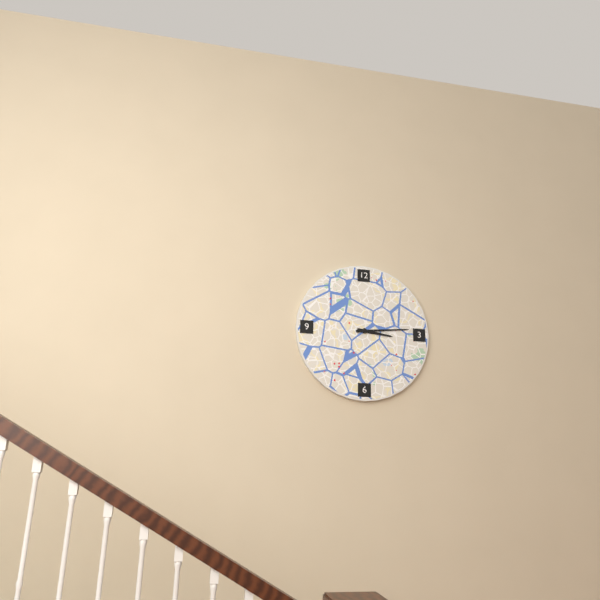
3:14
